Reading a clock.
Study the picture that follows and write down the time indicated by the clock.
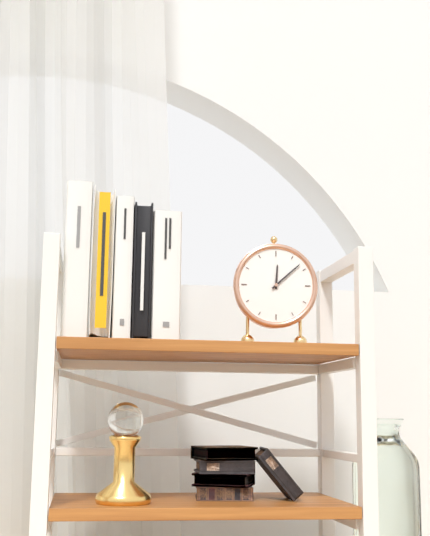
12:08
